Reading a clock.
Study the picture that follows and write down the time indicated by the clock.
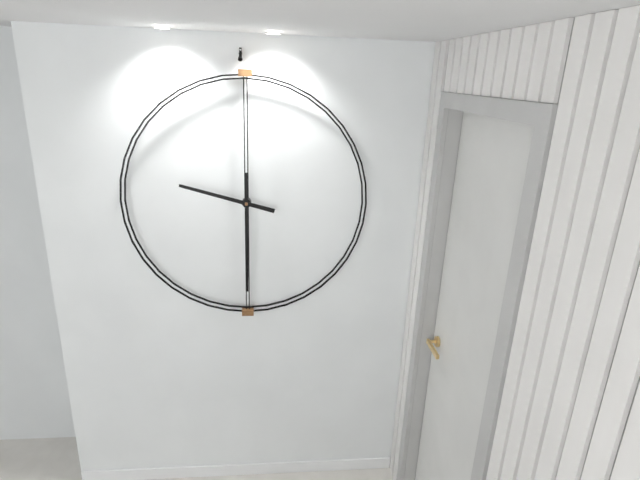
9:30
